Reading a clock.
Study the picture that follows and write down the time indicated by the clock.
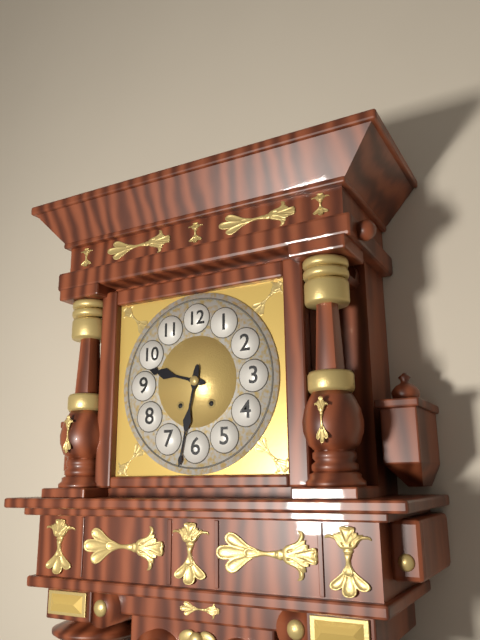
9:32
